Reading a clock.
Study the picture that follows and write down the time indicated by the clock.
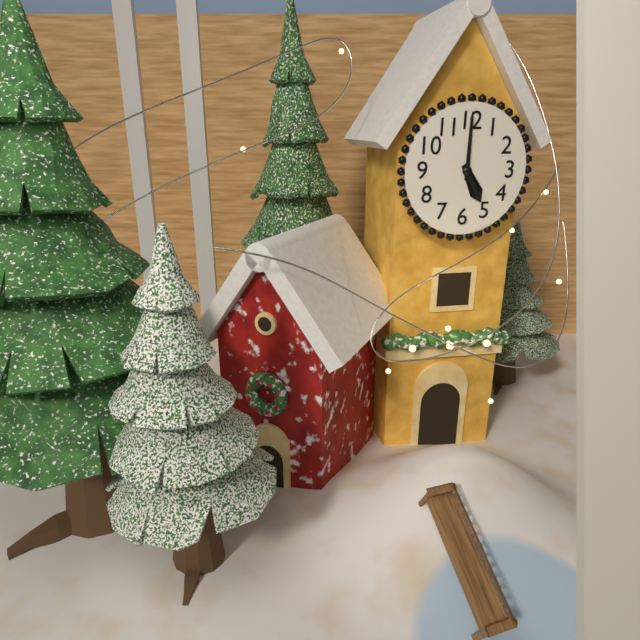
5:00
